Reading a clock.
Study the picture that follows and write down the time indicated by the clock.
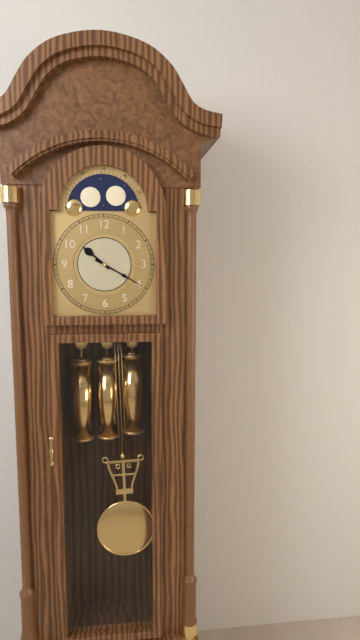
10:20
